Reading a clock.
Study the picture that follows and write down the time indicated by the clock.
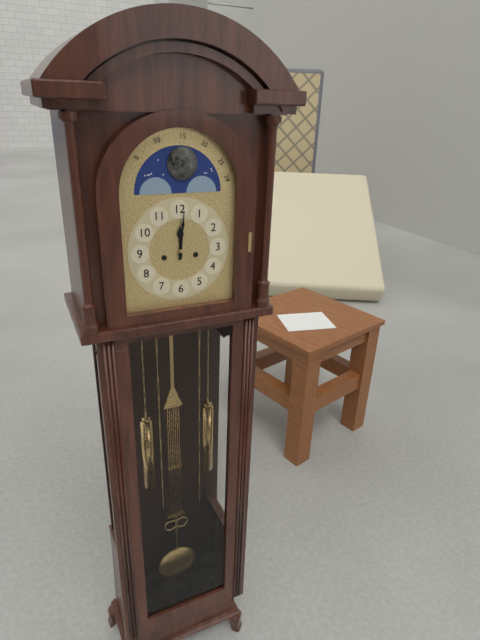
12:01
